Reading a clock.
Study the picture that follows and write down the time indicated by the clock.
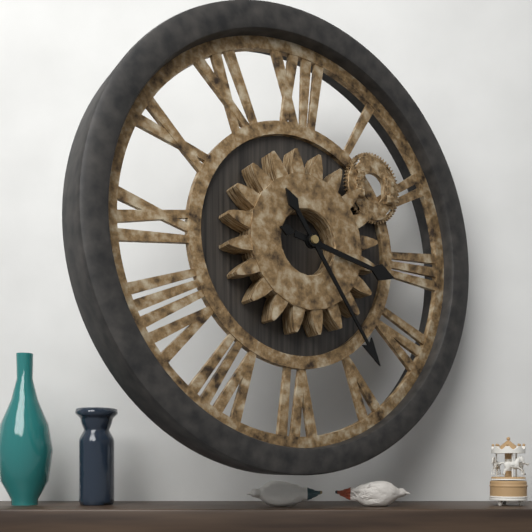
3:24
